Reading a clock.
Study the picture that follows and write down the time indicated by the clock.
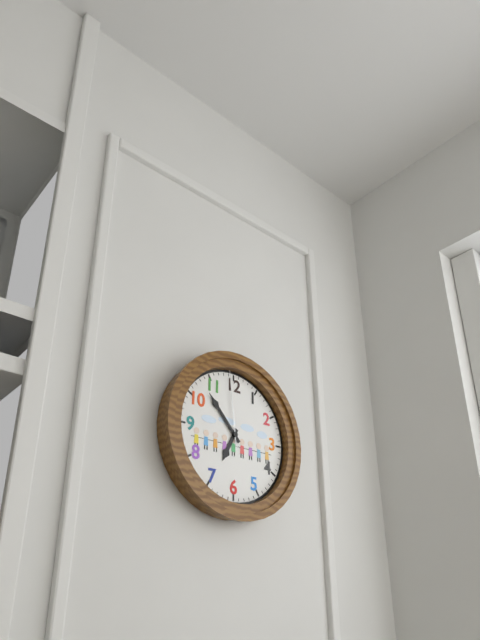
6:53:59
